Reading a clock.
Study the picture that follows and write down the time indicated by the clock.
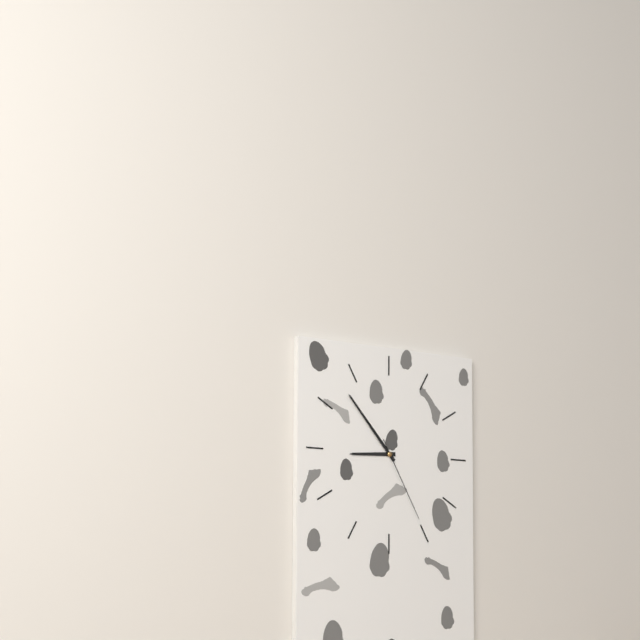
8:53:25
